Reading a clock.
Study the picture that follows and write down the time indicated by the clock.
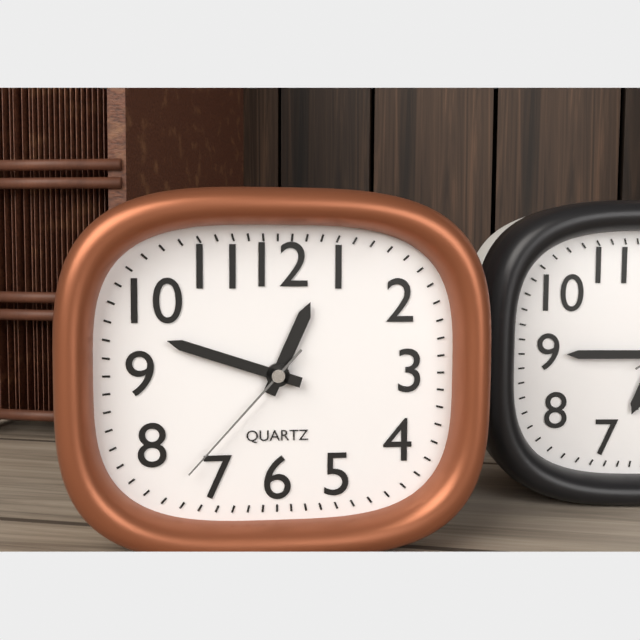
12:48:37
